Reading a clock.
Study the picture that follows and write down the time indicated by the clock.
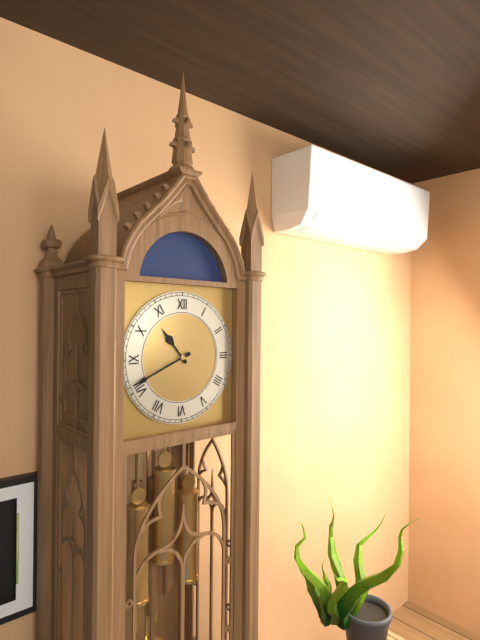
10:41
